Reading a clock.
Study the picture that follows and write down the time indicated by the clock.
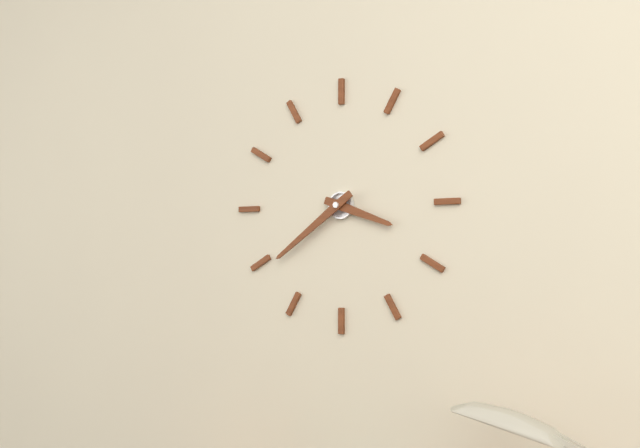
3:39
